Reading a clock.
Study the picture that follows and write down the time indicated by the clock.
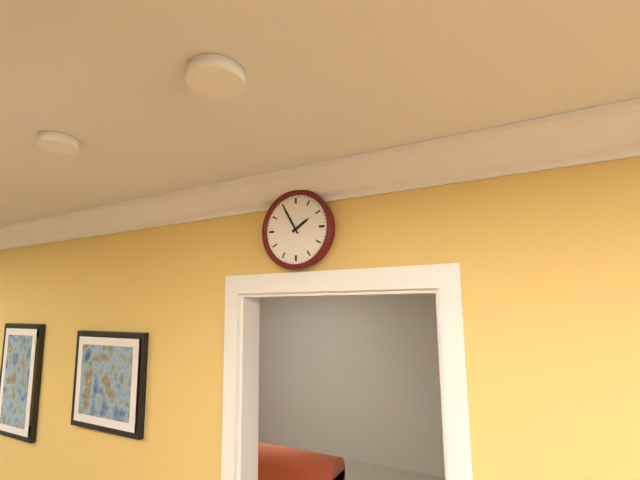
1:55
